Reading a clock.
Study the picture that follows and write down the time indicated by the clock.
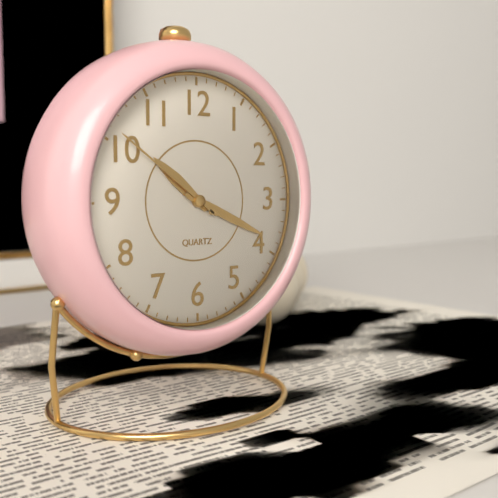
10:19:51
